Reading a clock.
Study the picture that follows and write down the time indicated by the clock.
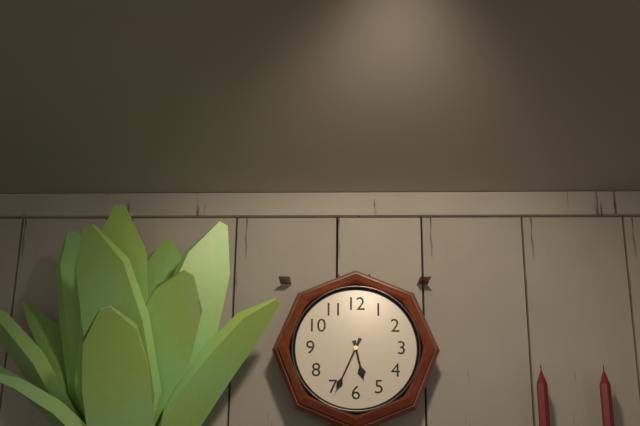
5:34
